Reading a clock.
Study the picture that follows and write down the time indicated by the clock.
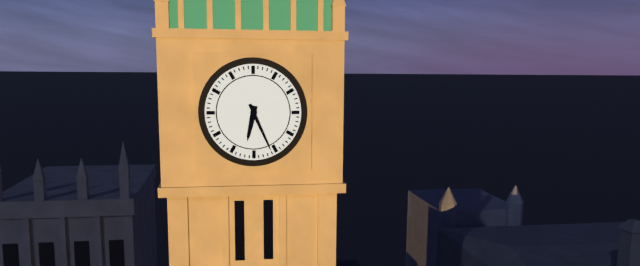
6:26
